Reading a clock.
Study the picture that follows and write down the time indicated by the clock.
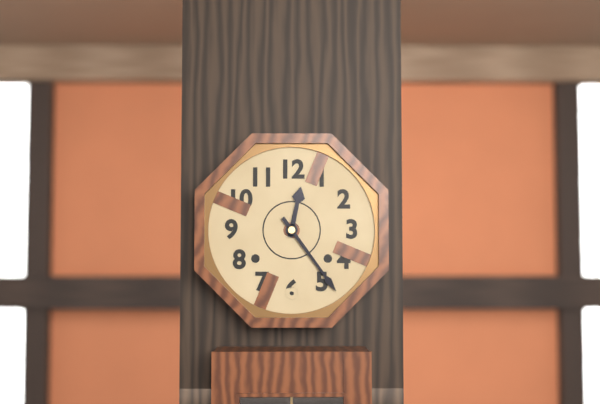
12:24
